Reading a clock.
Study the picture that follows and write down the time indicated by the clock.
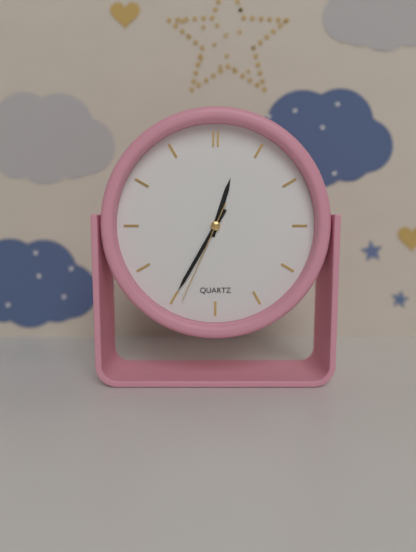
12:35:34
